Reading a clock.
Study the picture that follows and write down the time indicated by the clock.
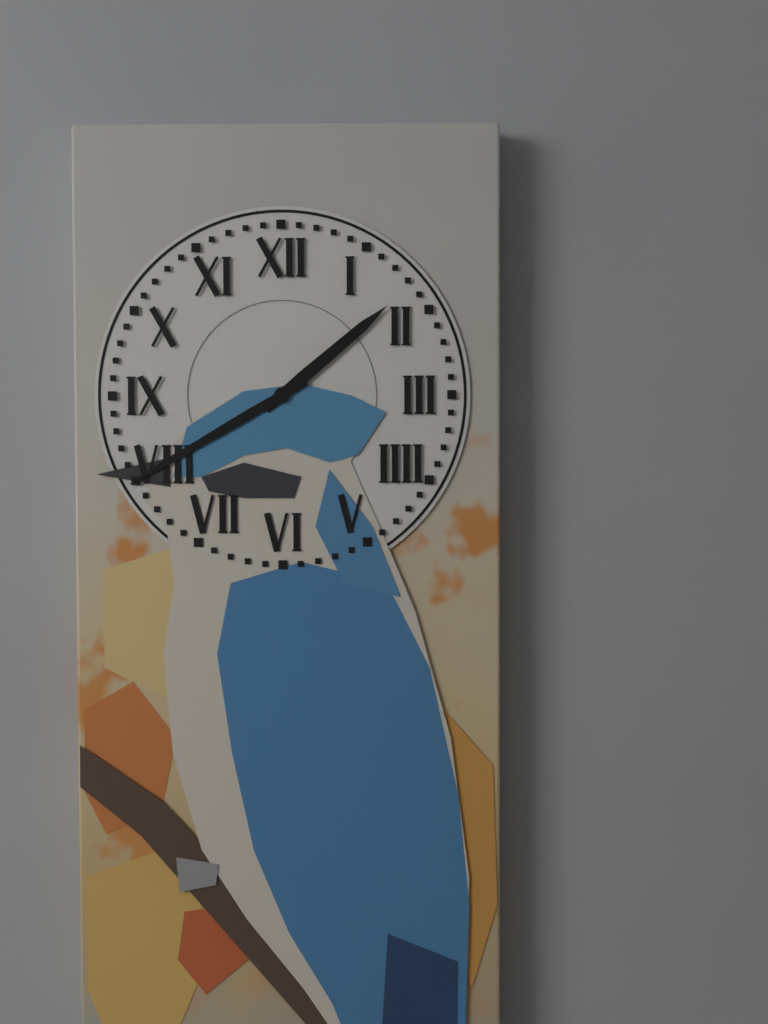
1:40
